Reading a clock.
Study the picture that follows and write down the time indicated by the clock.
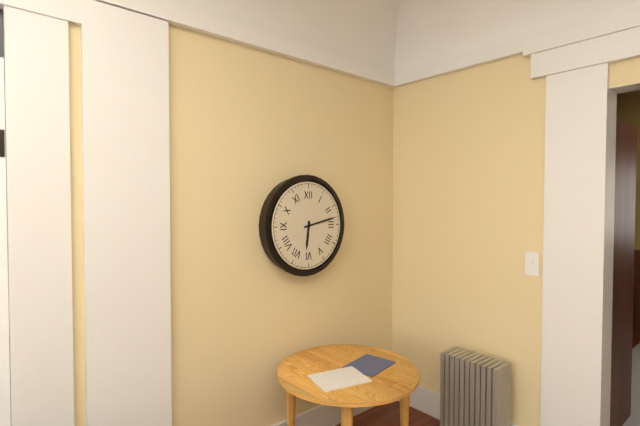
6:13
